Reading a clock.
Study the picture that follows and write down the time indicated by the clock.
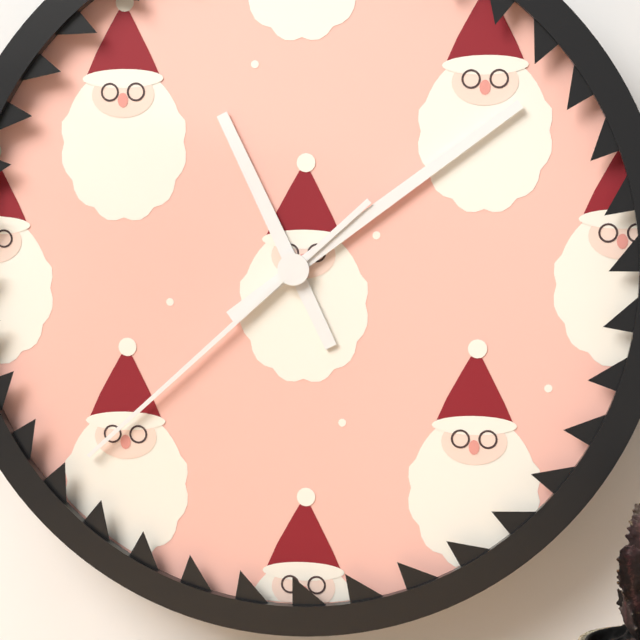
11:09:38
